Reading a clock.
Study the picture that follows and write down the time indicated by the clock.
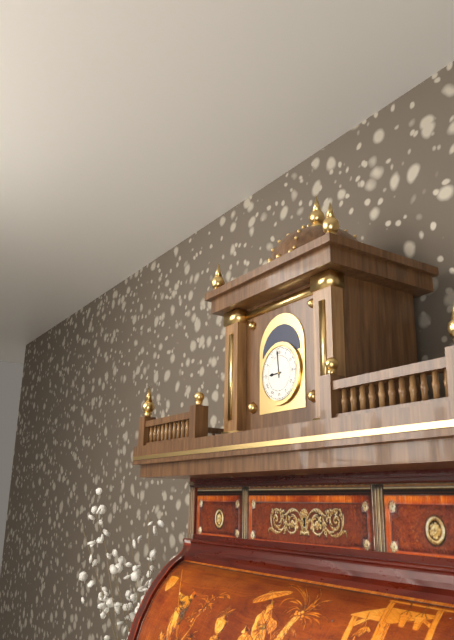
8:59
